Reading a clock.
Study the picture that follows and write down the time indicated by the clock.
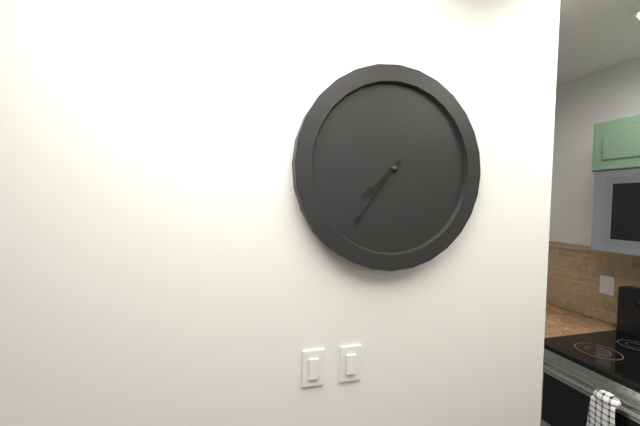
7:36
